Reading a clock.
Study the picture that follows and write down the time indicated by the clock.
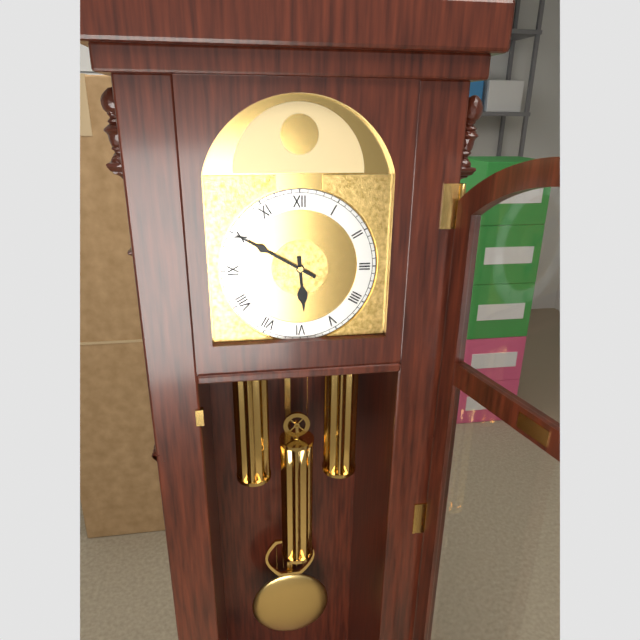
5:50
